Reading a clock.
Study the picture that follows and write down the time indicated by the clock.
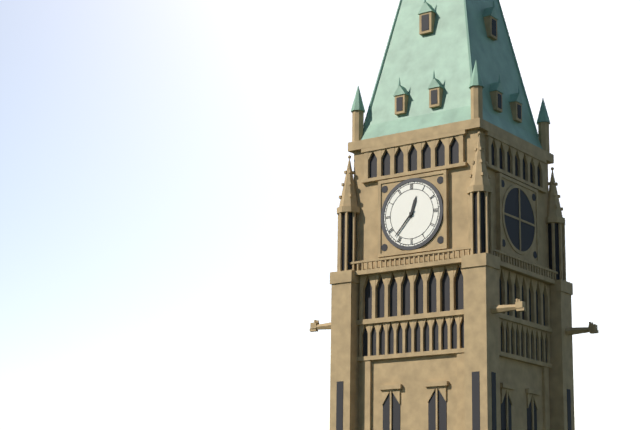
12:37
